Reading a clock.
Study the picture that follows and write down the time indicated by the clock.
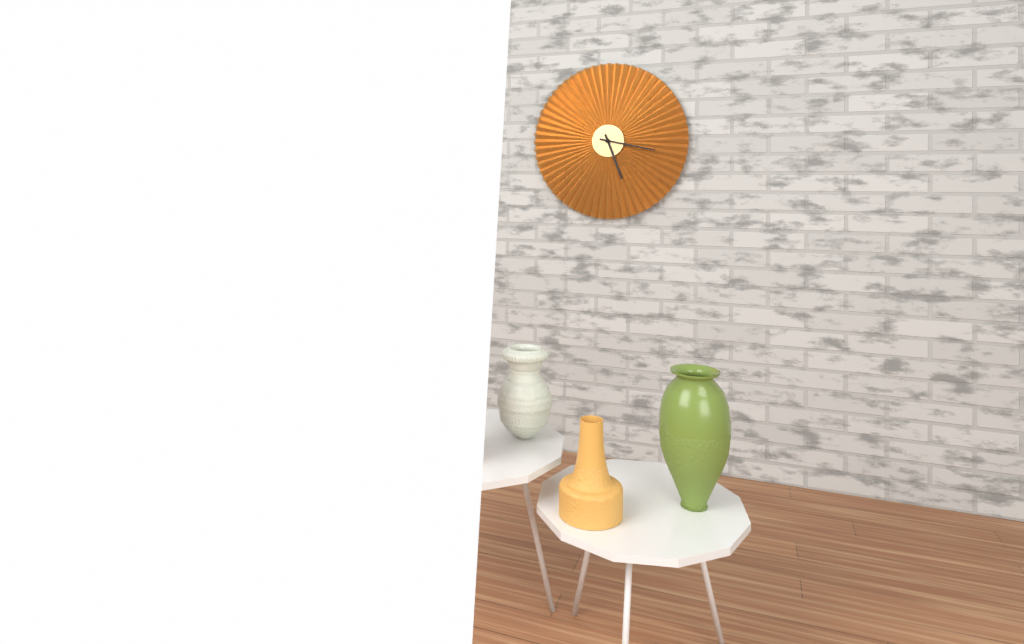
5:17
